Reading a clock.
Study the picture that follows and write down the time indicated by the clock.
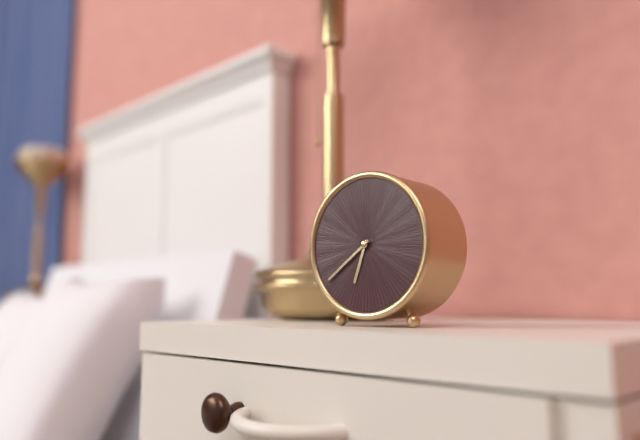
6:39
